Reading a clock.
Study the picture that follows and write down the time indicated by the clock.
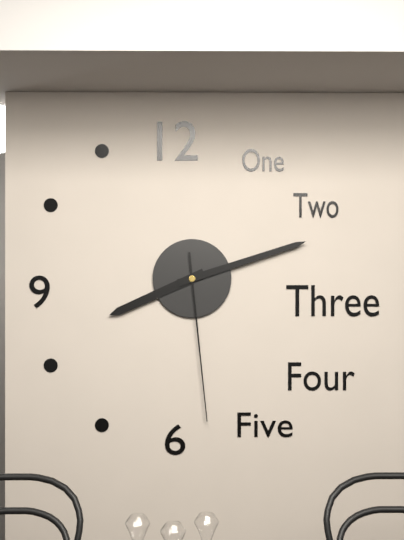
8:12:29
